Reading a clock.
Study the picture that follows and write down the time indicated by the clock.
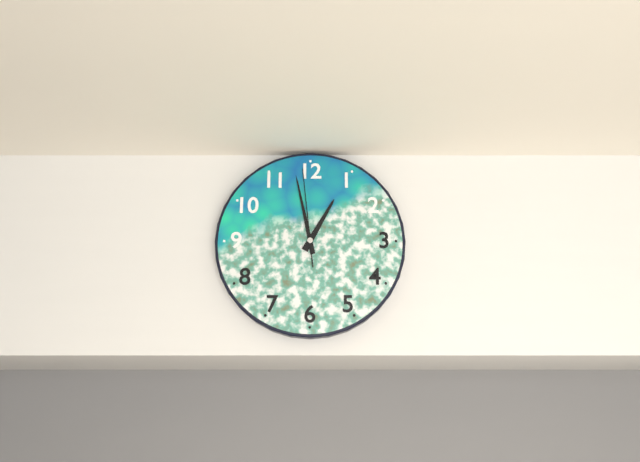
12:58:59
